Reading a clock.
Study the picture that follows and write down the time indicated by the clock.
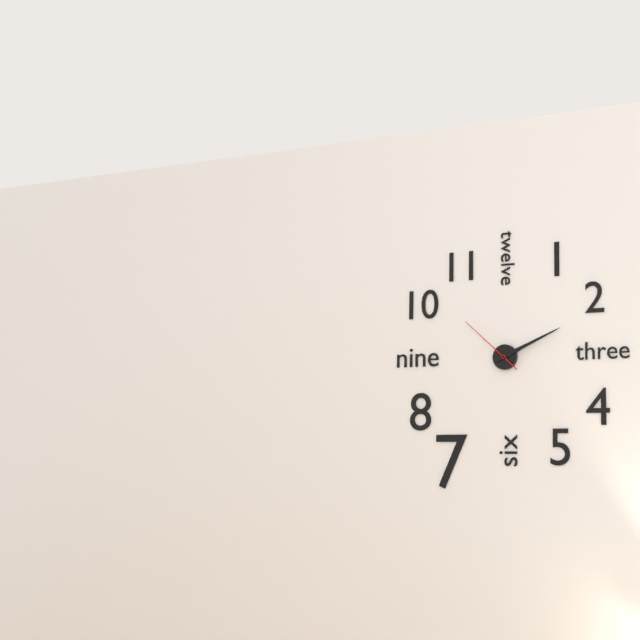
2:11:52
